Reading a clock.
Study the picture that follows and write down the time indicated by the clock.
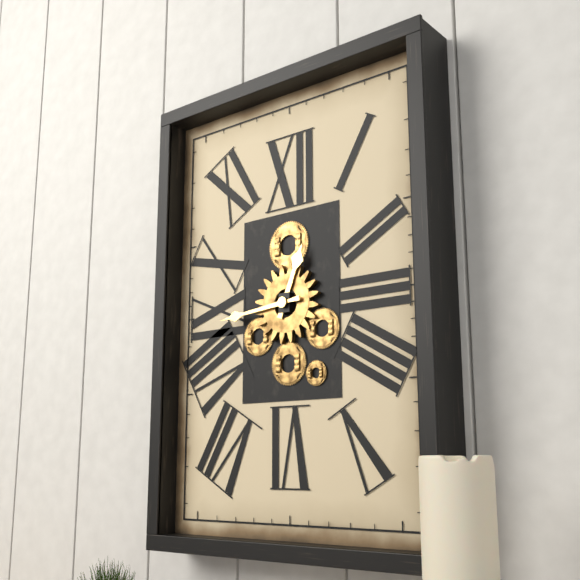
12:44
